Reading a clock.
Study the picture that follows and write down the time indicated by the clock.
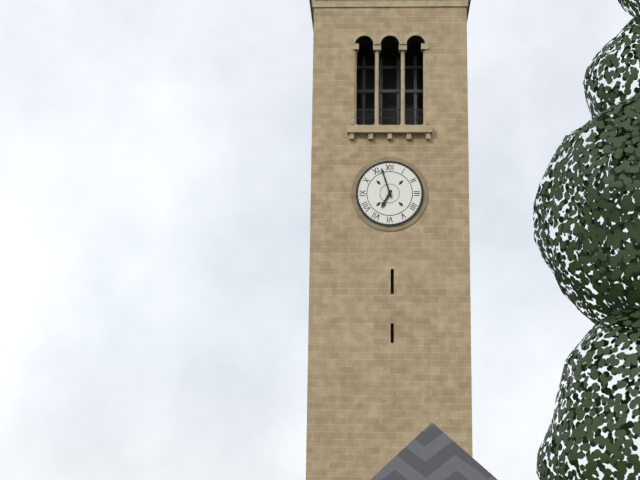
6:57
